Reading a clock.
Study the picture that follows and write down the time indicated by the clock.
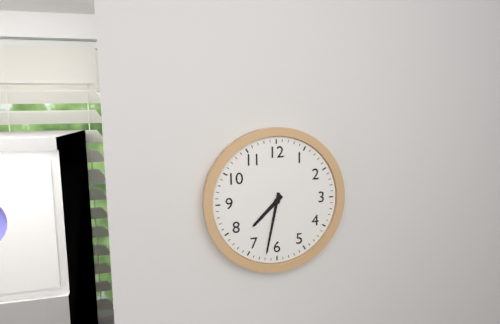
7:32
